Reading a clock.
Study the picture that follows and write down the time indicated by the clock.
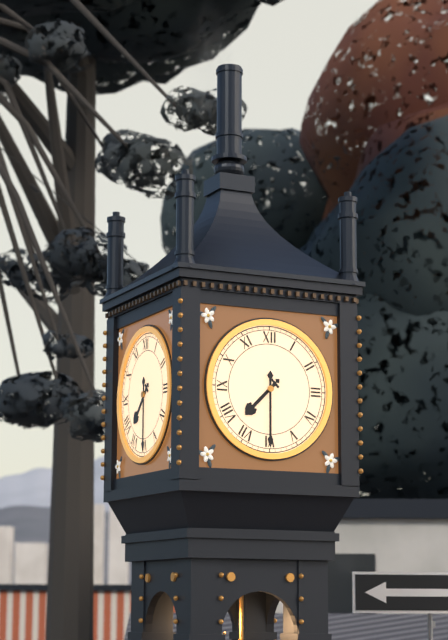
7:30
